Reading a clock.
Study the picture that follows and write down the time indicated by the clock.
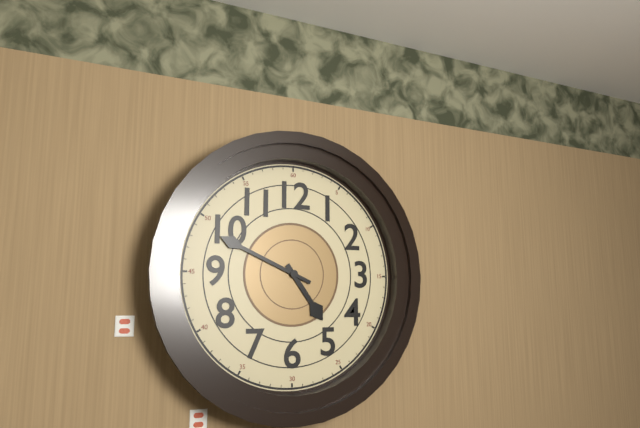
4:49
